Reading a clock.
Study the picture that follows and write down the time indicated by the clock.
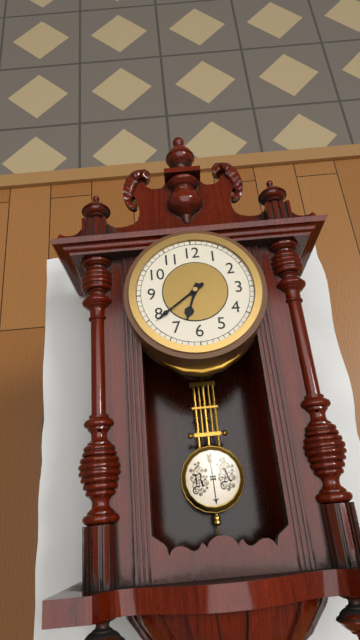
6:39
